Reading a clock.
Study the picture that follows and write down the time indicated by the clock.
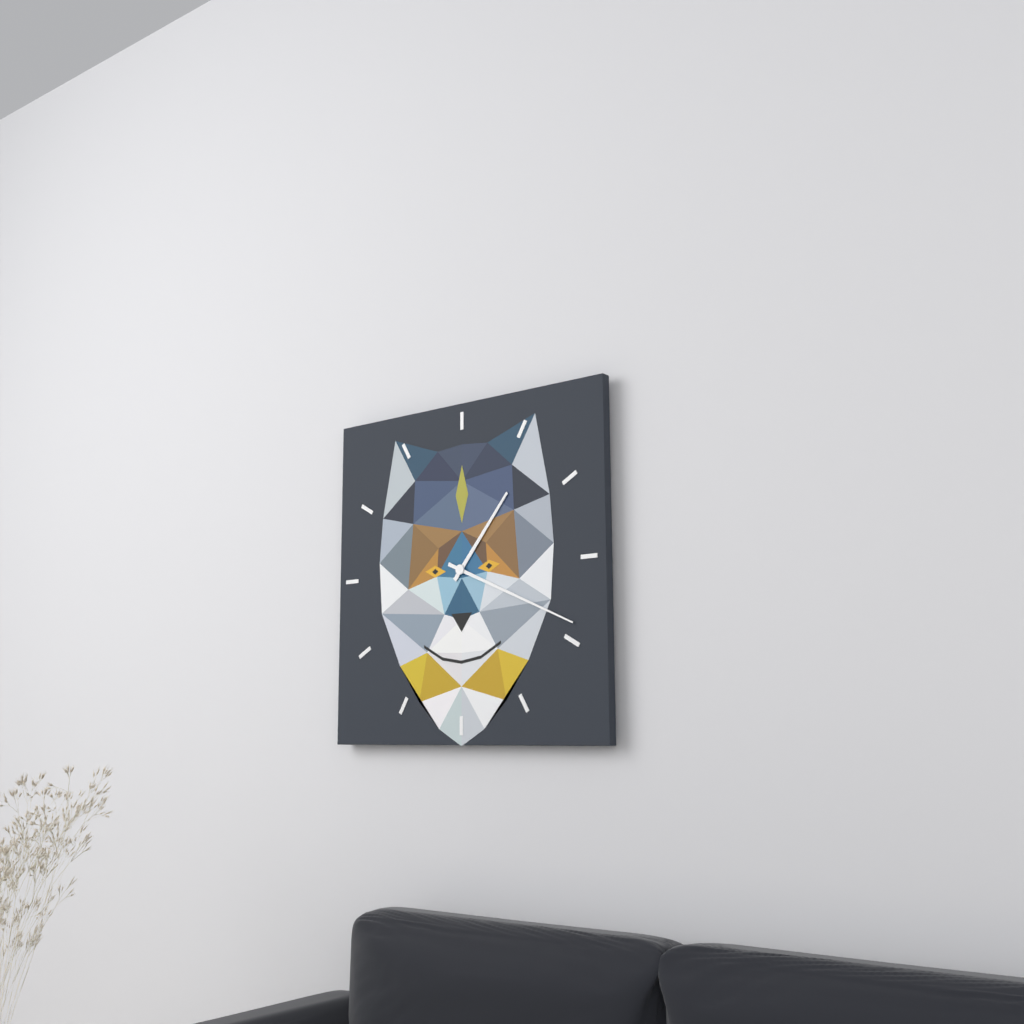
1:19
